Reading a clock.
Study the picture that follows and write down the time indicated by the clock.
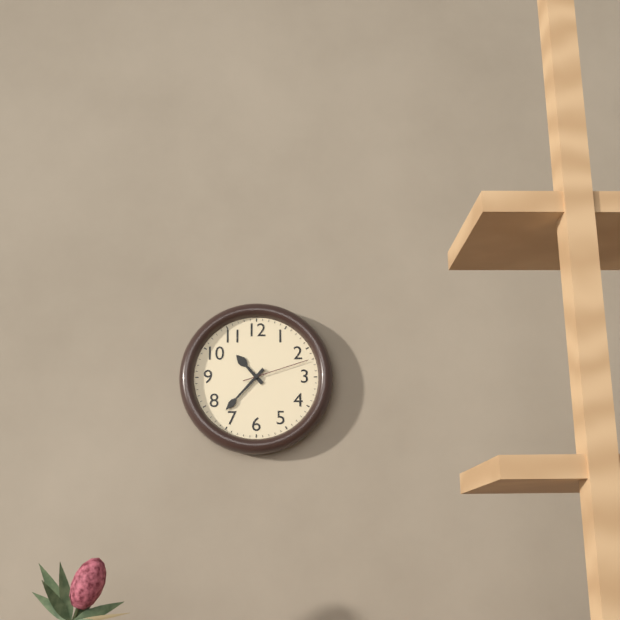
10:37:12
